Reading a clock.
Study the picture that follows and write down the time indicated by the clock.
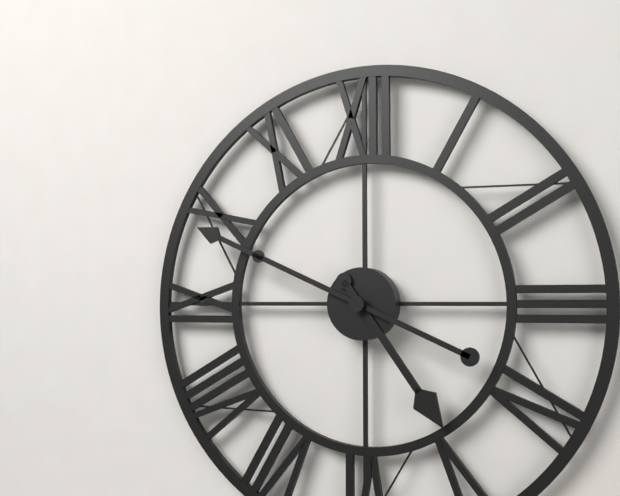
4:49
